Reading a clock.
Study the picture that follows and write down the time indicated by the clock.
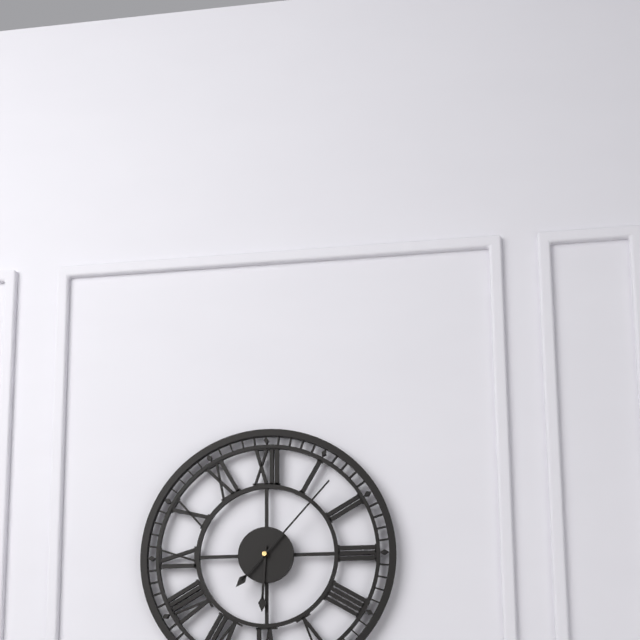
6:07
